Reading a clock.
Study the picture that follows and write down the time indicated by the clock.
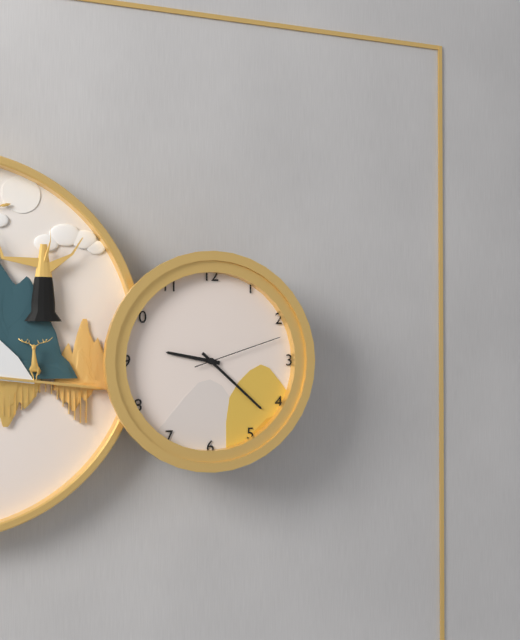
9:22:12
